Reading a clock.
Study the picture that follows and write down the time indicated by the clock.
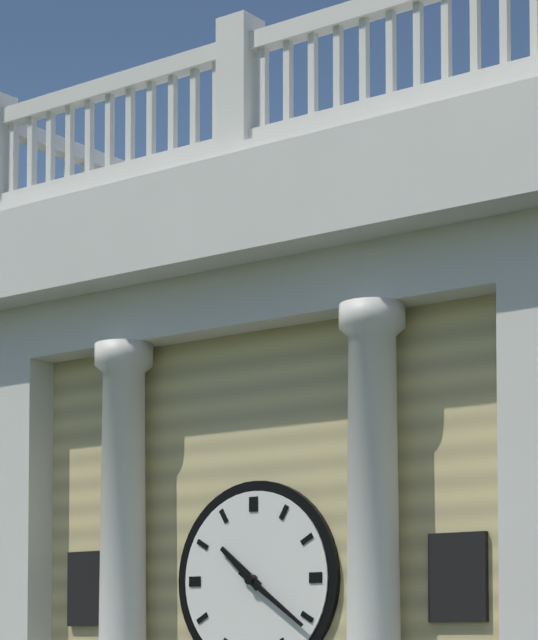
10:21
